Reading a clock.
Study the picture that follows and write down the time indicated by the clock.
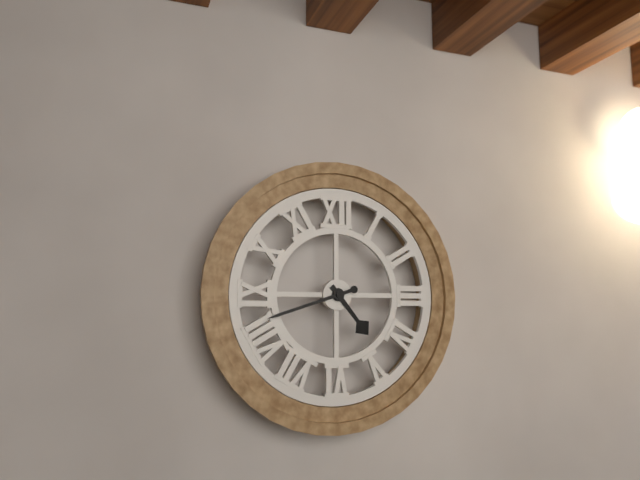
4:42
